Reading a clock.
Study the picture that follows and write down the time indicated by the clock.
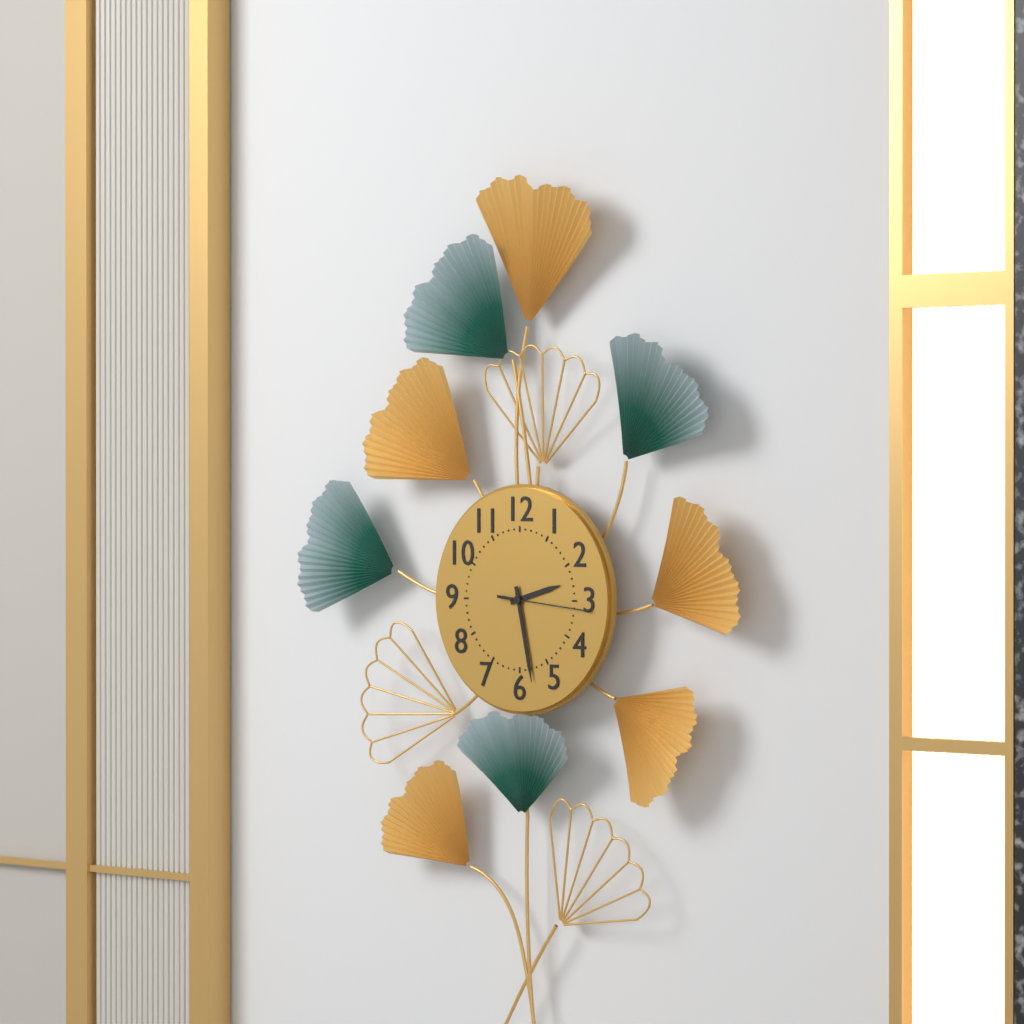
2:28:16
